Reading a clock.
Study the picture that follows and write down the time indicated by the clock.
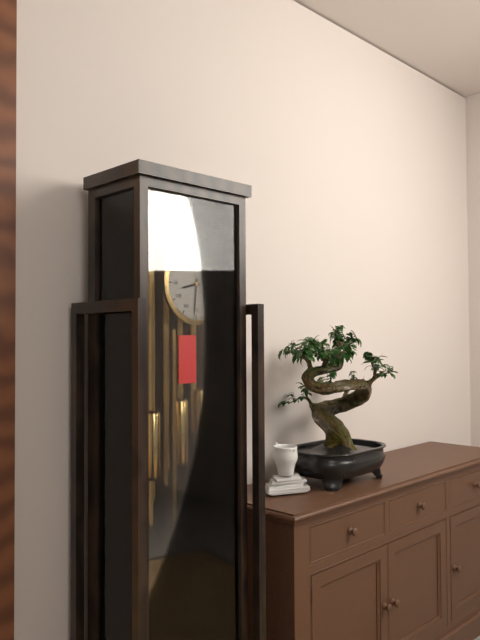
8:31
